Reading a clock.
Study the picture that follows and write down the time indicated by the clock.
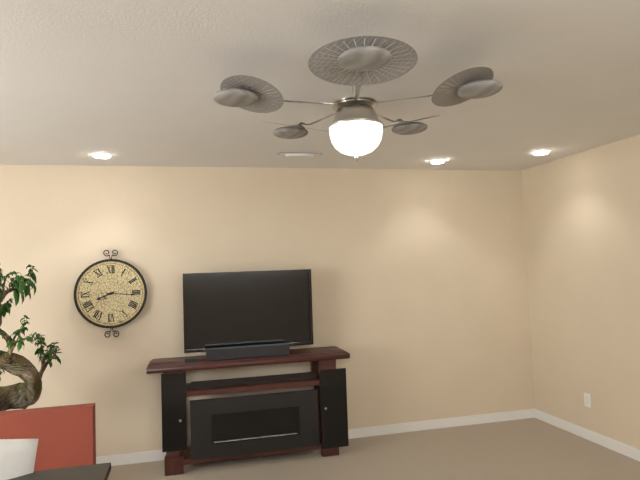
8:16
